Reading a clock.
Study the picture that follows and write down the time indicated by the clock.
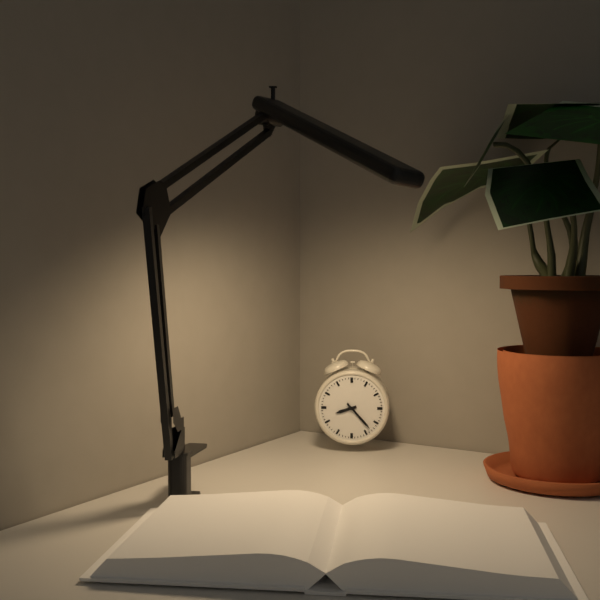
8:23
